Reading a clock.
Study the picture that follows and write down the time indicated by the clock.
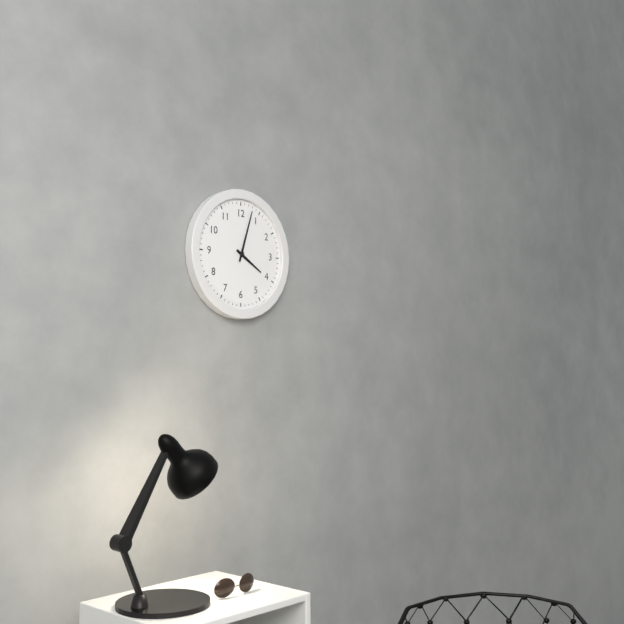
4:03
